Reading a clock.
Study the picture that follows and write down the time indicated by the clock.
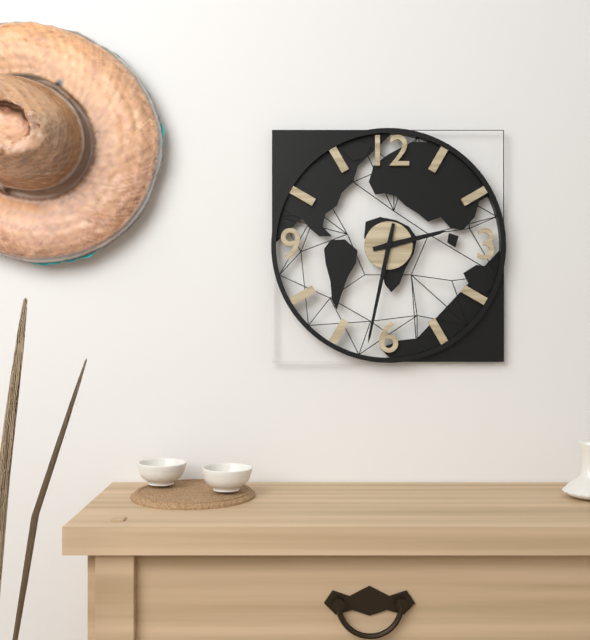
2:32
